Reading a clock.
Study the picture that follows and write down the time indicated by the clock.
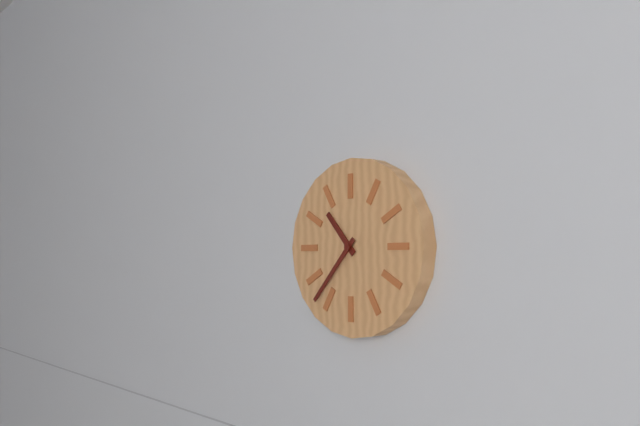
10:37
